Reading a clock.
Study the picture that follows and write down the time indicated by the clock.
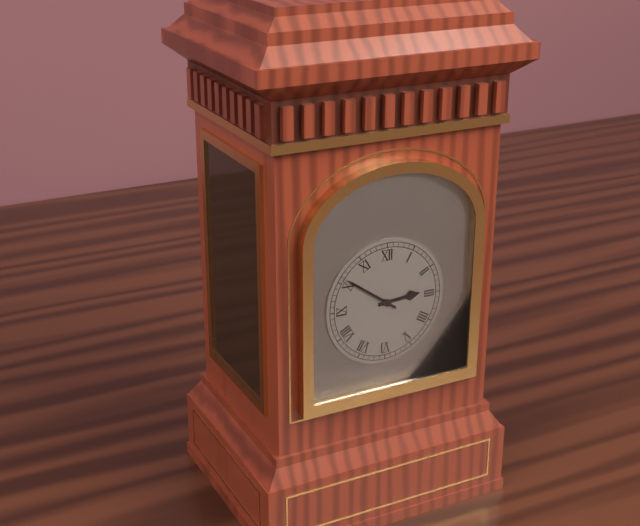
2:51
